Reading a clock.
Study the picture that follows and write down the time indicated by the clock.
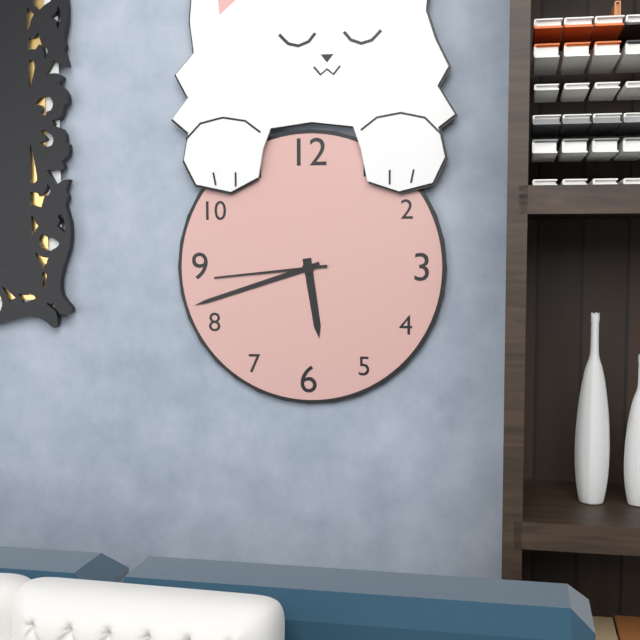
5:42:44
